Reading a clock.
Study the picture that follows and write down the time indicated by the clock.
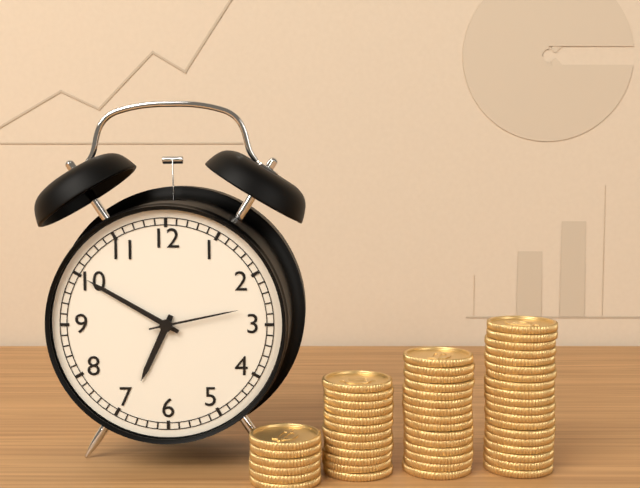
6:50:13
